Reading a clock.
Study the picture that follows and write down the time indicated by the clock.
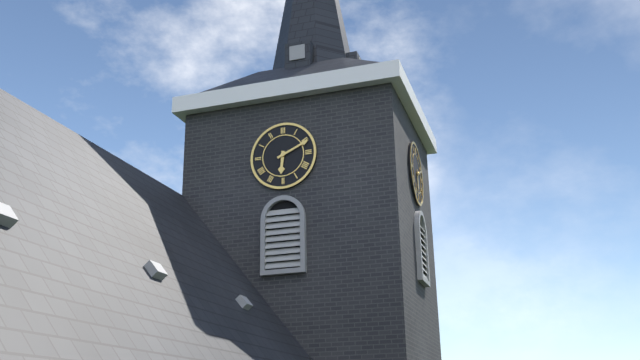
6:11
